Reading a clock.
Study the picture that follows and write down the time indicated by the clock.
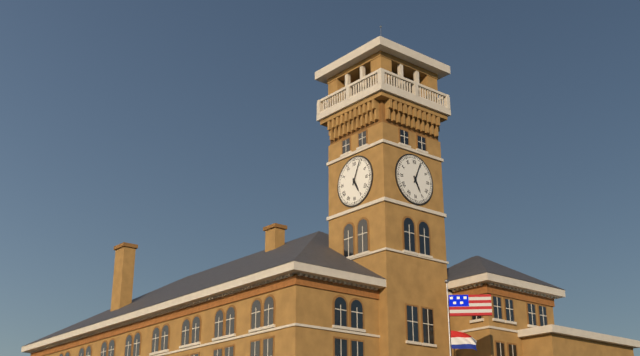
5:04
